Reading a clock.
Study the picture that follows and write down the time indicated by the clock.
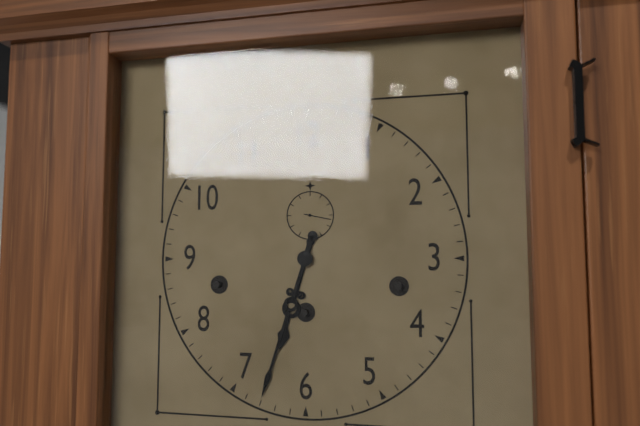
6:33
